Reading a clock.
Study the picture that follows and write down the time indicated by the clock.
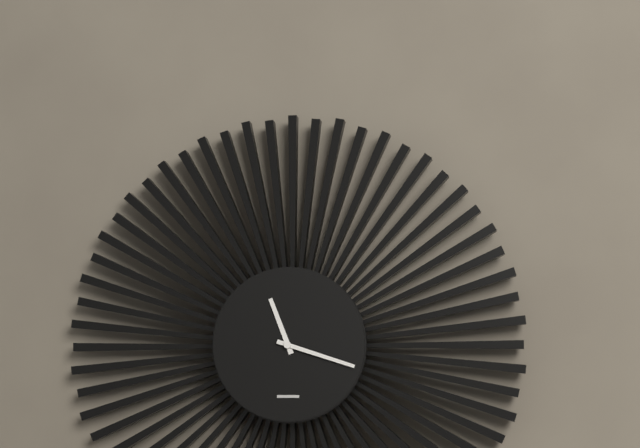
11:18
